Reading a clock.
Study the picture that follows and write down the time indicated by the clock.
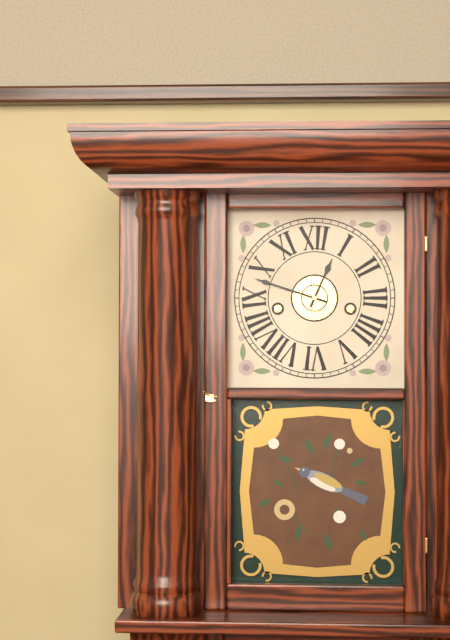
12:48
